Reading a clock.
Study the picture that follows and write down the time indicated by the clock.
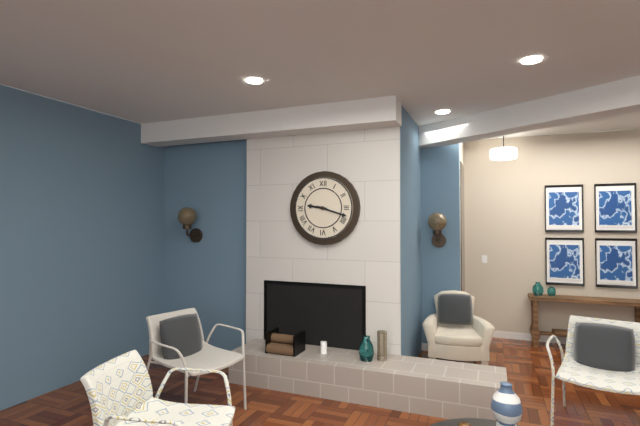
9:18
